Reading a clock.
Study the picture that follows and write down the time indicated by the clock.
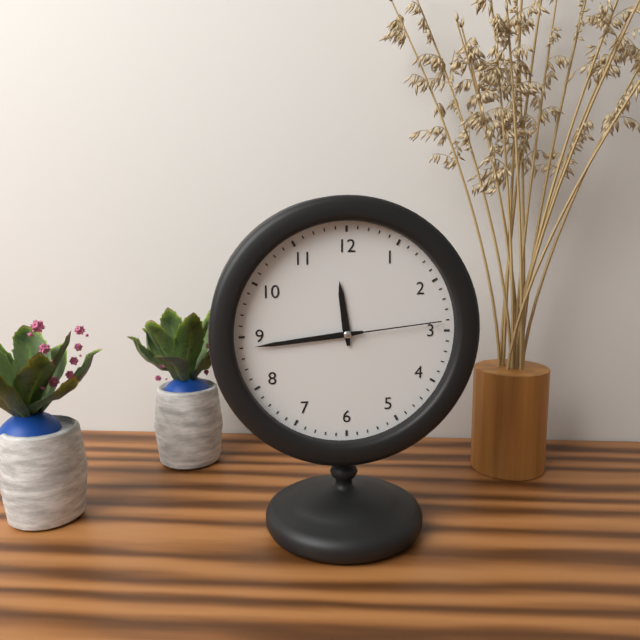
11:44:14
